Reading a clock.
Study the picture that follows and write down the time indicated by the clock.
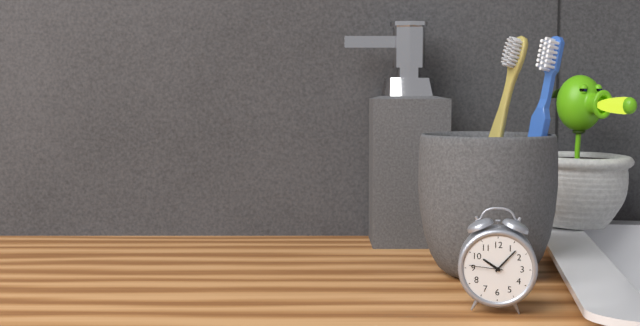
10:07
